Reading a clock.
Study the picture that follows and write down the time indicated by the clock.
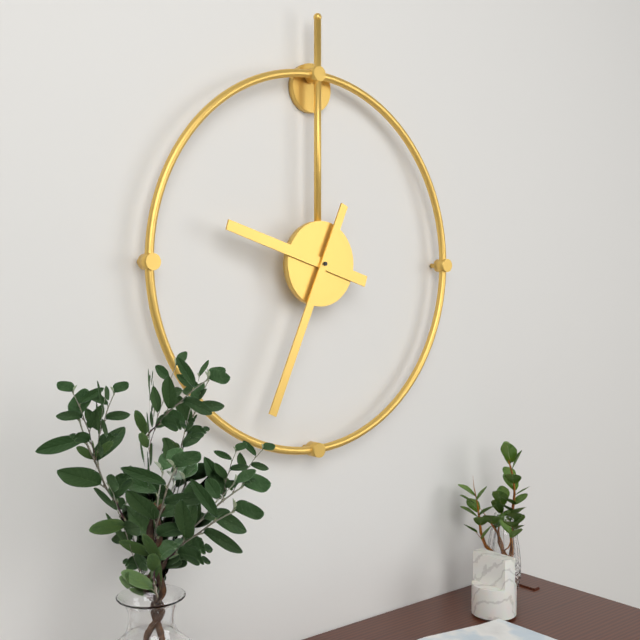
9:34
